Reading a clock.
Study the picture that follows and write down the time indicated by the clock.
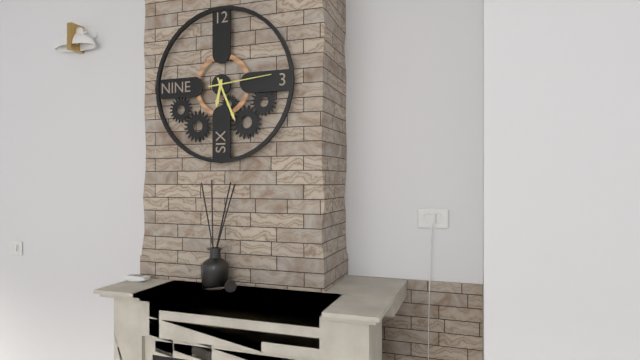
6:26:14
